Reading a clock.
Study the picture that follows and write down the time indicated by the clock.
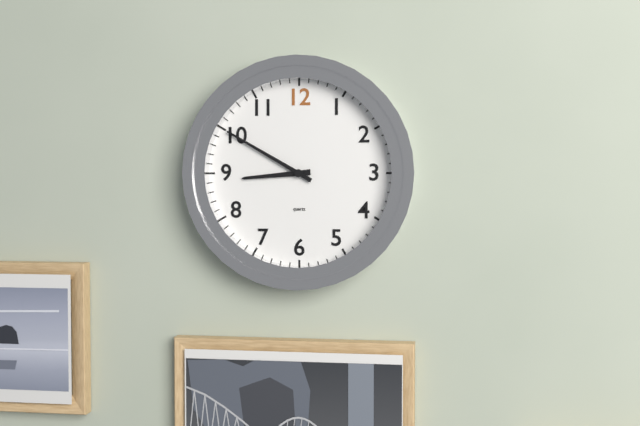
8:50
